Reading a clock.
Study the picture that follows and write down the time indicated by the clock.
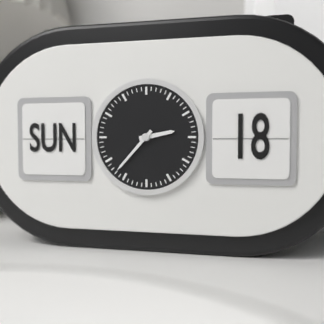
2:37
